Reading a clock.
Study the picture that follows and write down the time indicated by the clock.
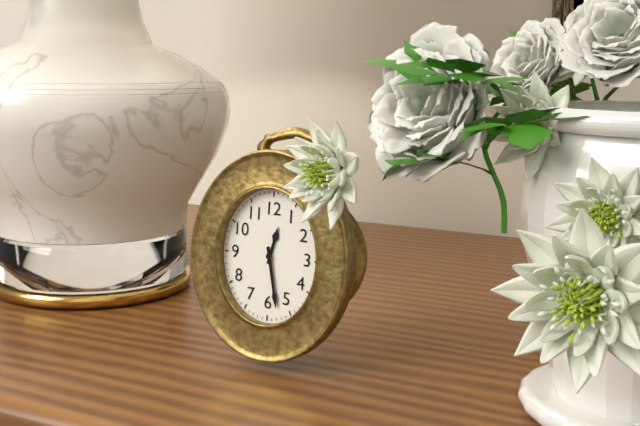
12:28
